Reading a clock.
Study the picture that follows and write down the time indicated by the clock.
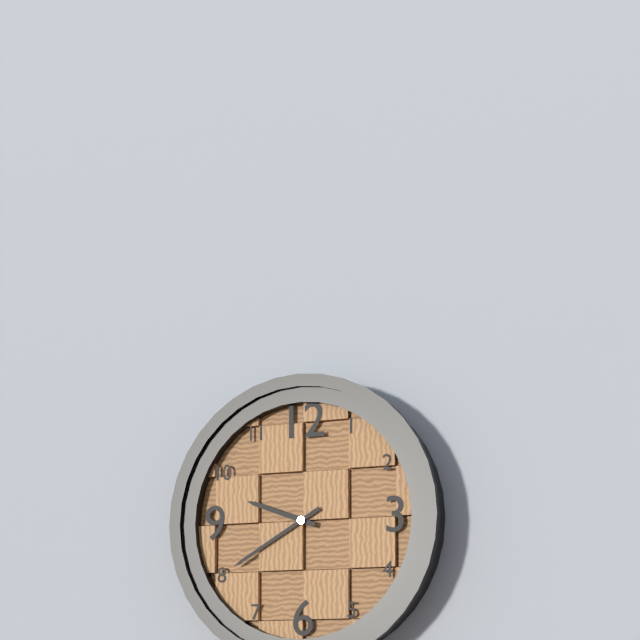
9:40
